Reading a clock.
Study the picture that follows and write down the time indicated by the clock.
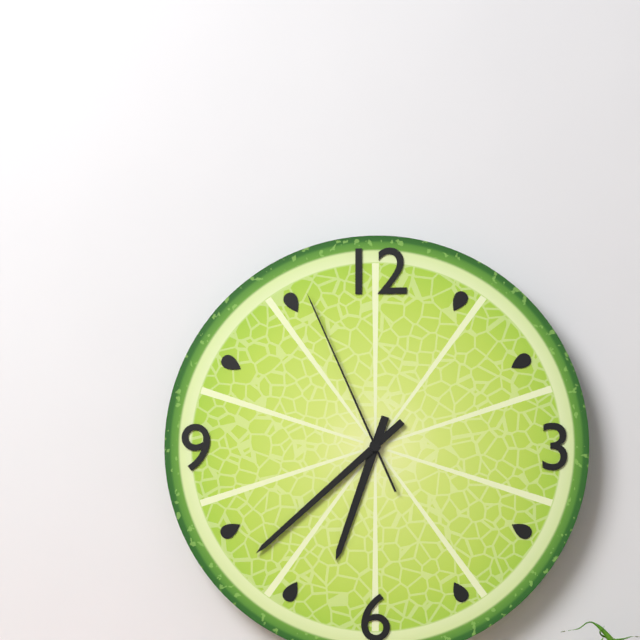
6:38:56
